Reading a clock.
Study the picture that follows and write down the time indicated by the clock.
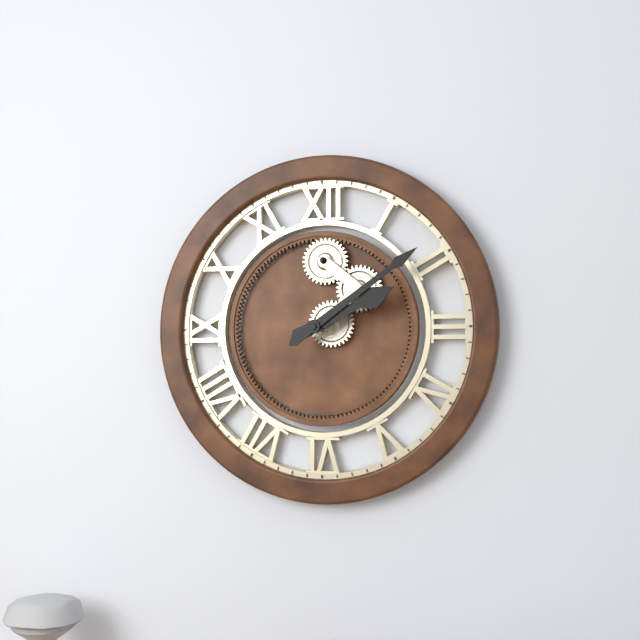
2:09
